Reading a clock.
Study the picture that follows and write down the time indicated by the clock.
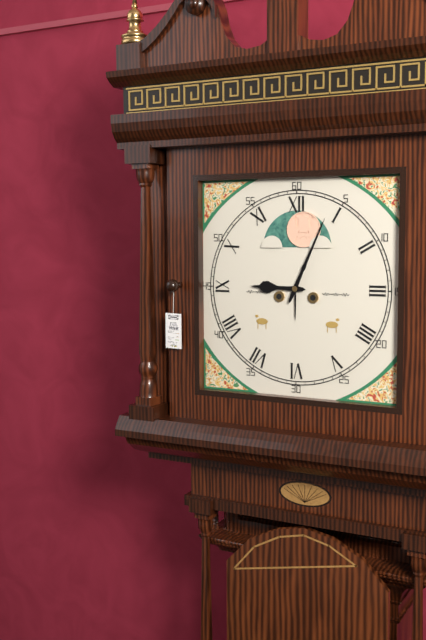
9:04
